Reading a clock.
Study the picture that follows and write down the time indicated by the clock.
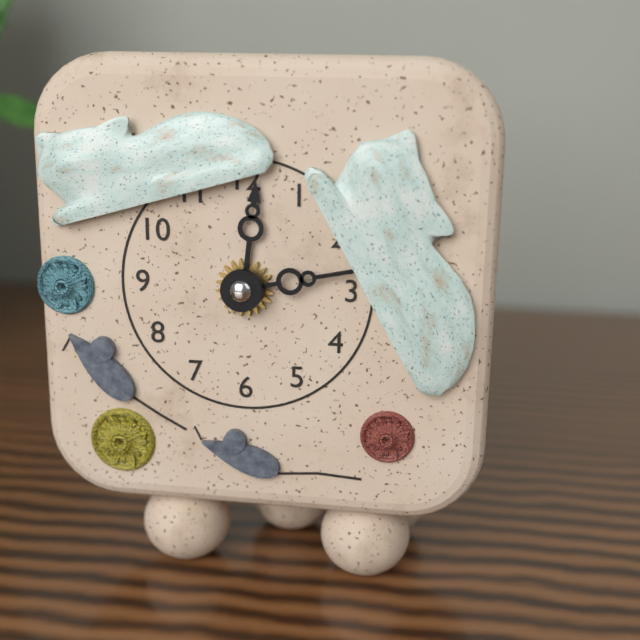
12:13
